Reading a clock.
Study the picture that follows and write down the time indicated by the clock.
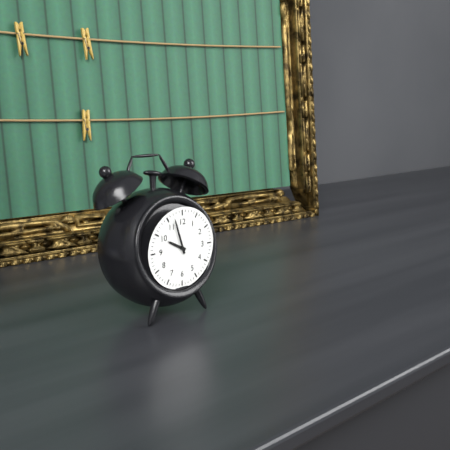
9:57
